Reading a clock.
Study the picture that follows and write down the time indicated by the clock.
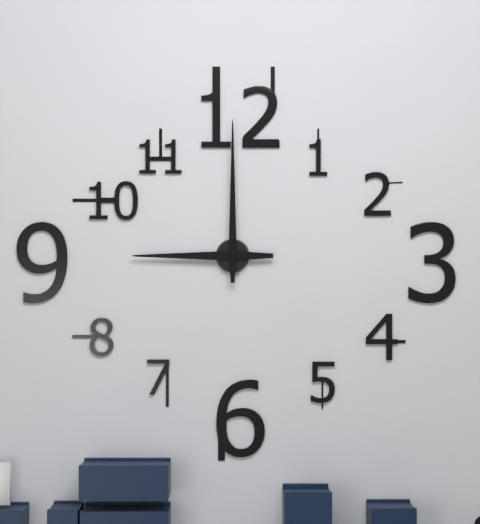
9:00
